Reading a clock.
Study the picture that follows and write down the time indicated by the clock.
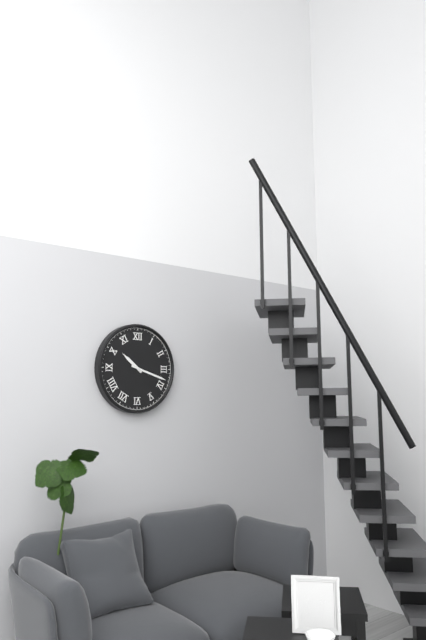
10:18
